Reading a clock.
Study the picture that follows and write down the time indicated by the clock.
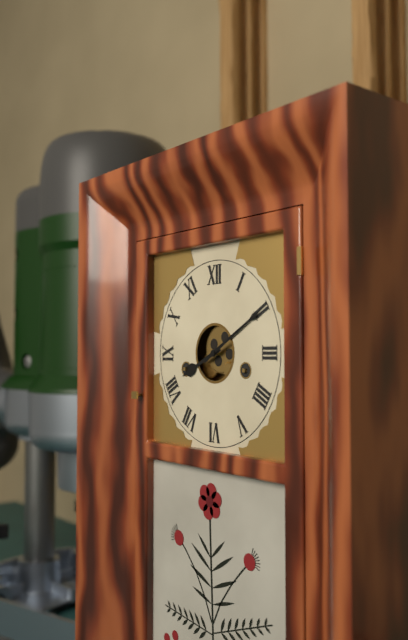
8:10
